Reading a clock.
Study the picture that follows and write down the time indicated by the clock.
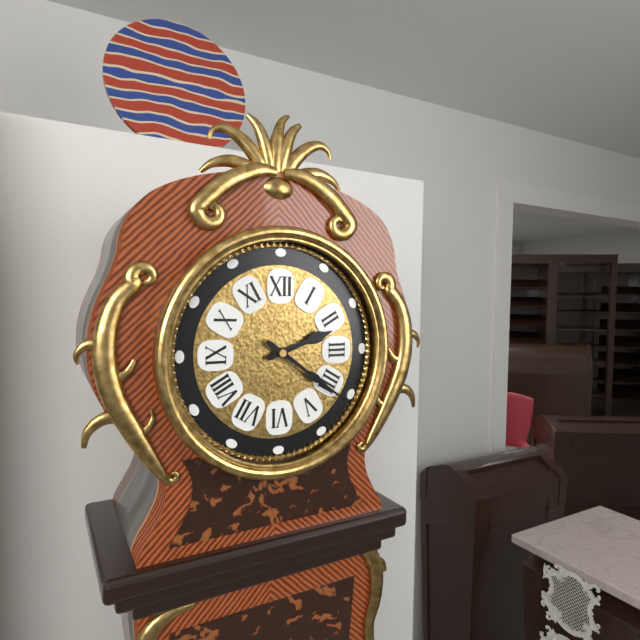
2:21
